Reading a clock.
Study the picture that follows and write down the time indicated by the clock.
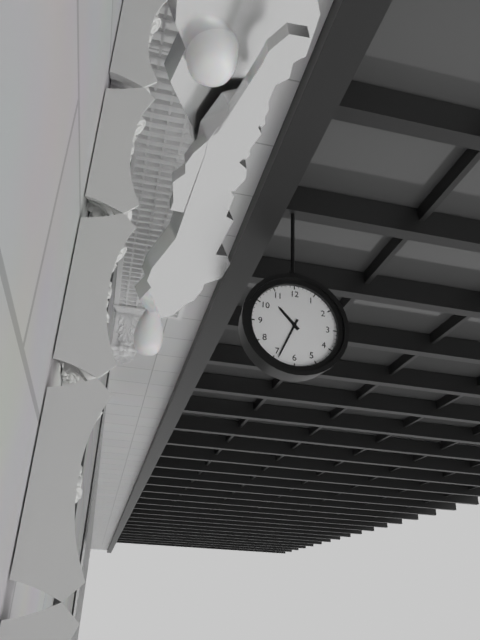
10:34
